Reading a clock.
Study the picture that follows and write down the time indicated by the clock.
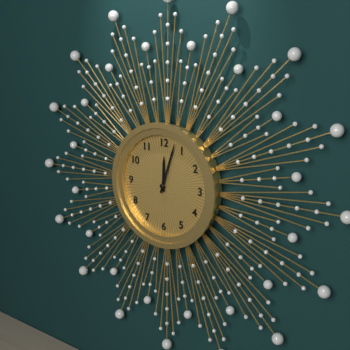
12:03
